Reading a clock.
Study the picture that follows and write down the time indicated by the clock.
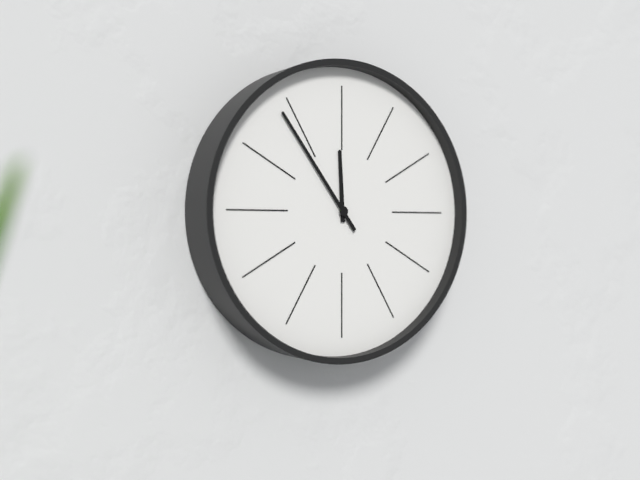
11:54
